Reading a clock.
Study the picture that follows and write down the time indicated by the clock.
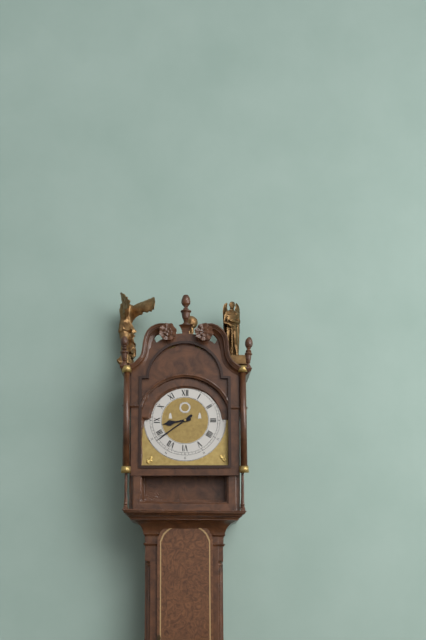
8:39
